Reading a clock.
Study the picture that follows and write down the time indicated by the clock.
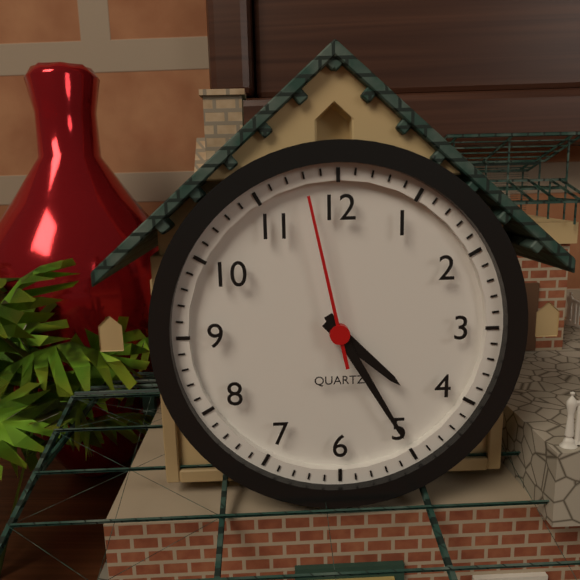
4:25:58
